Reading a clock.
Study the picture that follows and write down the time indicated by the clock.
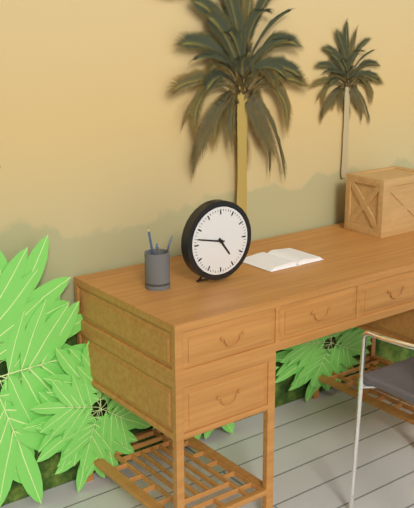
4:47
